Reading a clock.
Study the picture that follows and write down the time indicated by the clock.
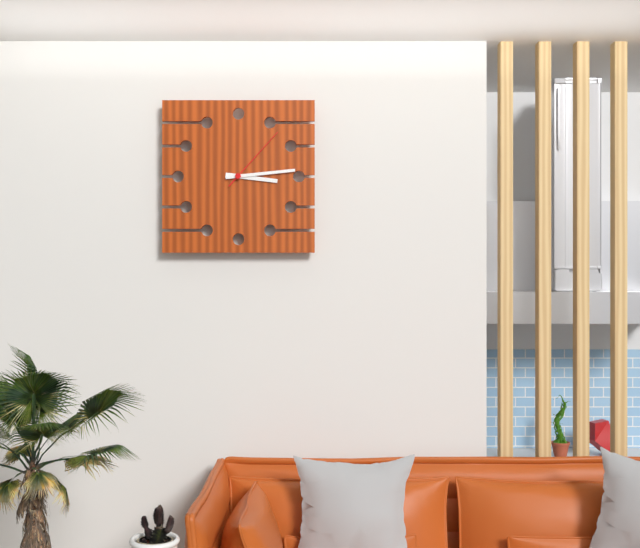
3:14:07
